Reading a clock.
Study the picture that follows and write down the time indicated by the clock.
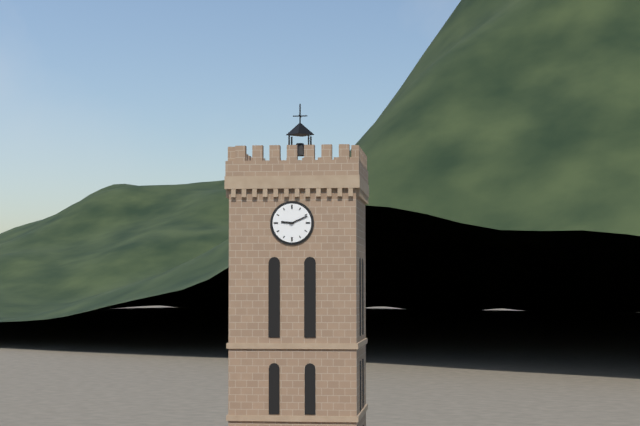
9:11
